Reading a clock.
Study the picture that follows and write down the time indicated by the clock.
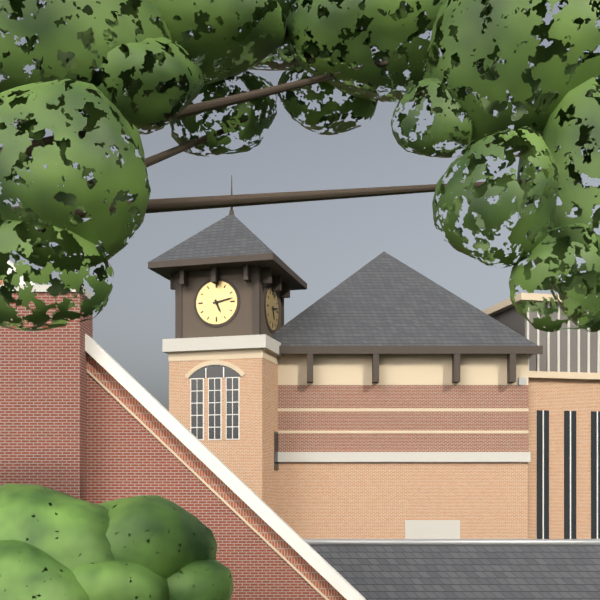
5:13
